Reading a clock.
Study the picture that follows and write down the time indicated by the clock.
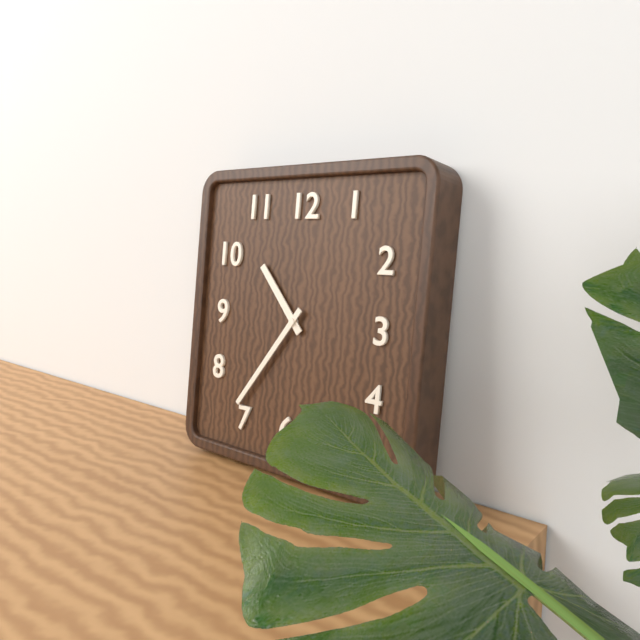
10:36
